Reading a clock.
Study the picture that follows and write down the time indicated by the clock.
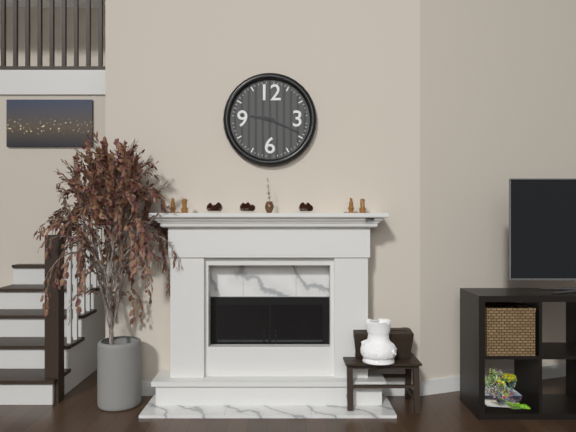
9:19
